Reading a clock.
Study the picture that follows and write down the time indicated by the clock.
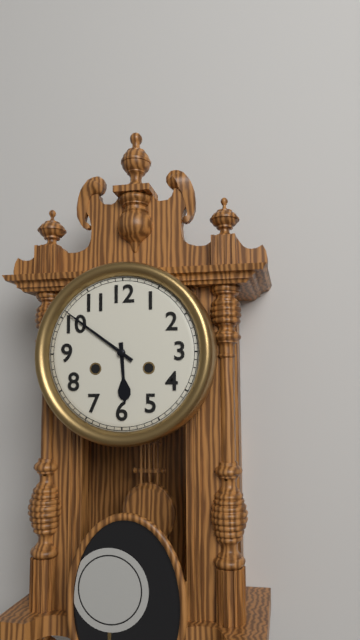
5:51
